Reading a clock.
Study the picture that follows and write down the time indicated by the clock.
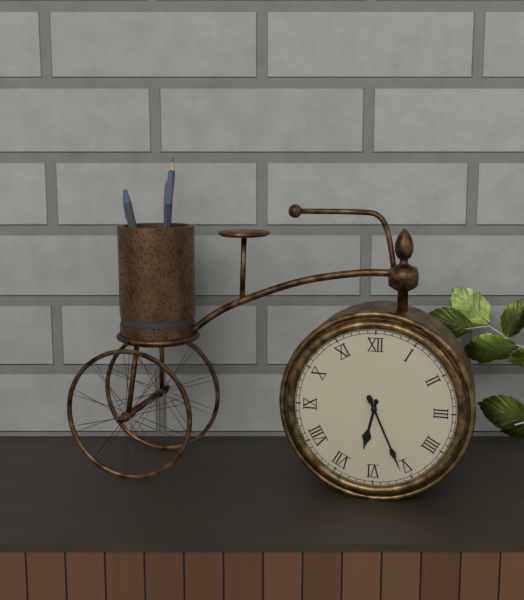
6:26
